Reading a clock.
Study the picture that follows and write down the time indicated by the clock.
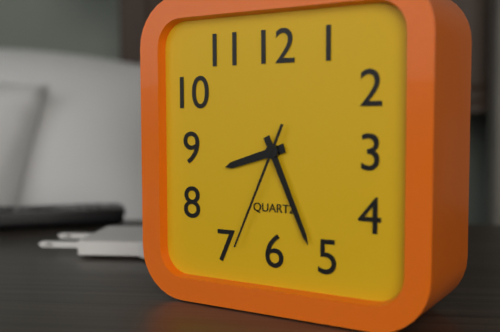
8:26:34
